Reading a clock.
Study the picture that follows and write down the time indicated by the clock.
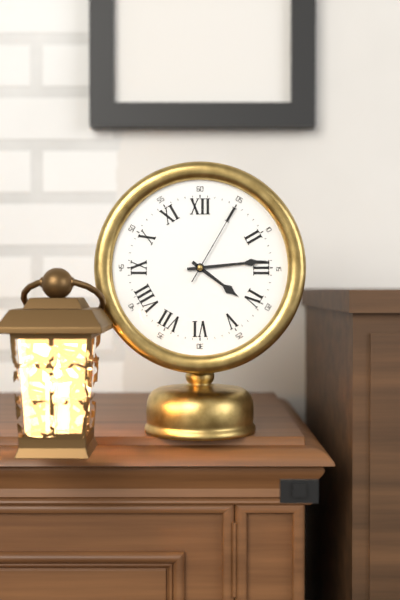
4:14:05
